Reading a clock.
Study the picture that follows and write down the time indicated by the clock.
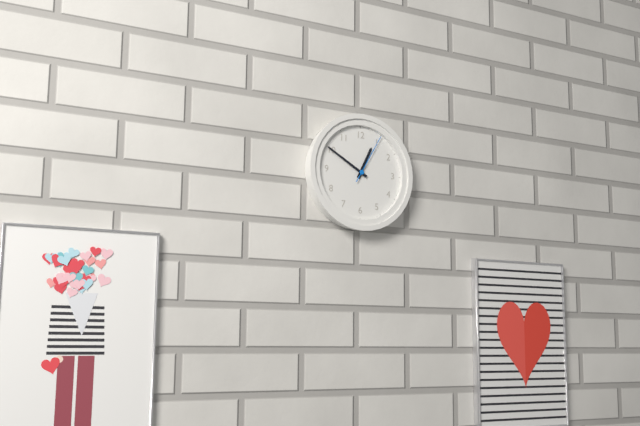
12:50:05
